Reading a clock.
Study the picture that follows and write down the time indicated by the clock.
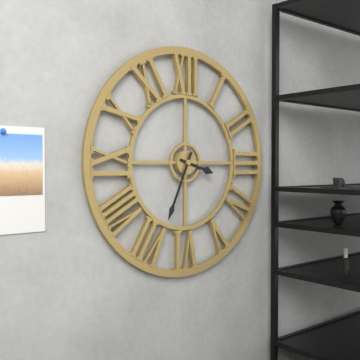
3:34
